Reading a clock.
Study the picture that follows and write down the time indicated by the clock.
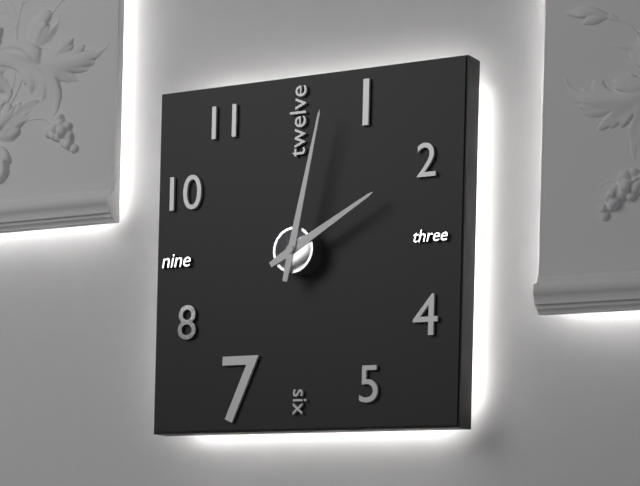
2:02
